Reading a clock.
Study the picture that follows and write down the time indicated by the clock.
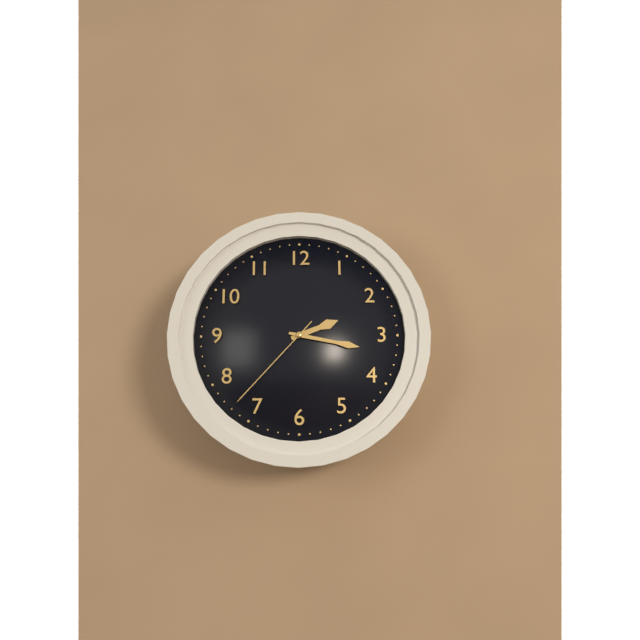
2:17:37
